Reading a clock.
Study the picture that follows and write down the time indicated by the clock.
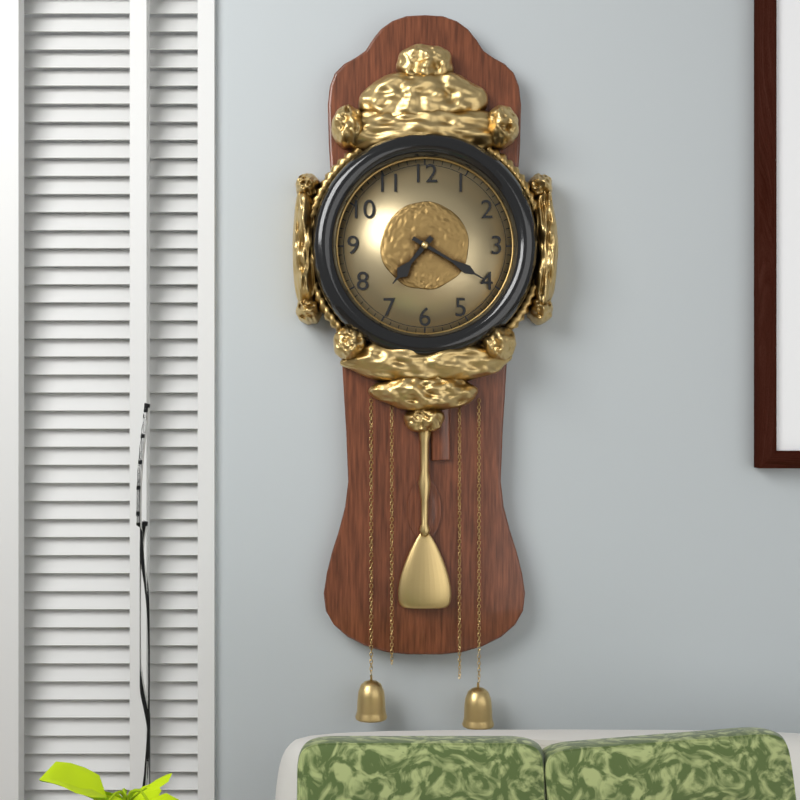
7:20
